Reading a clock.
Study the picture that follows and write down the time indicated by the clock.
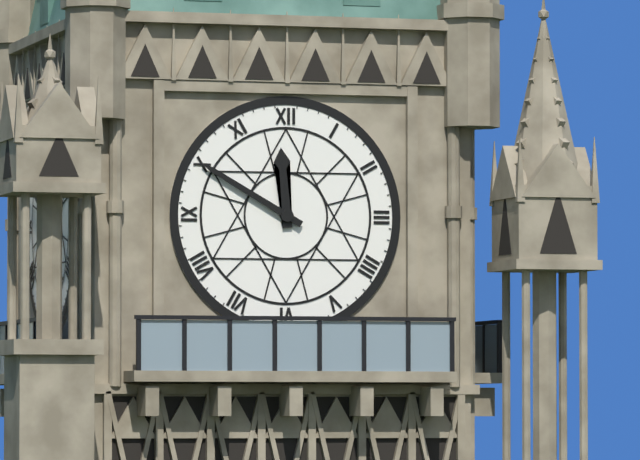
11:50
